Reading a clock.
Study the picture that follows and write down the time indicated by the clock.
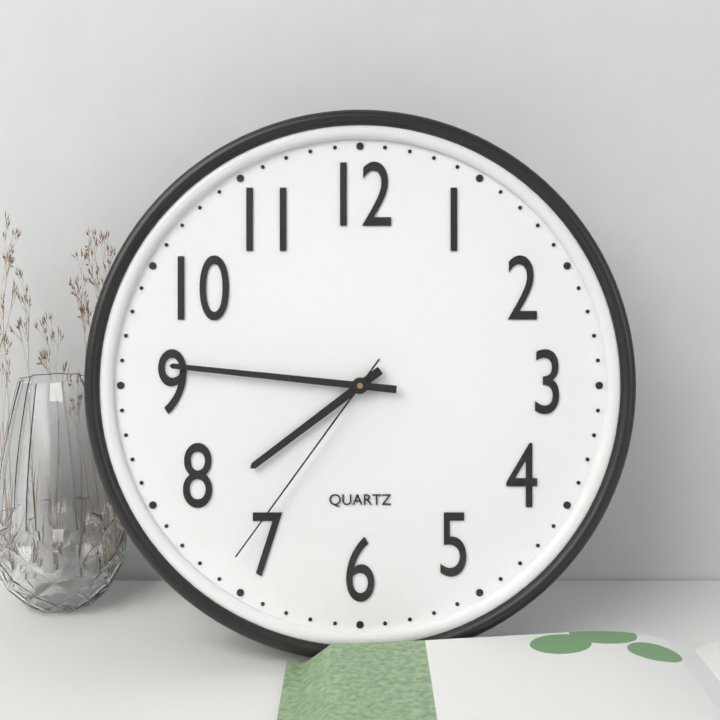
7:46:36
